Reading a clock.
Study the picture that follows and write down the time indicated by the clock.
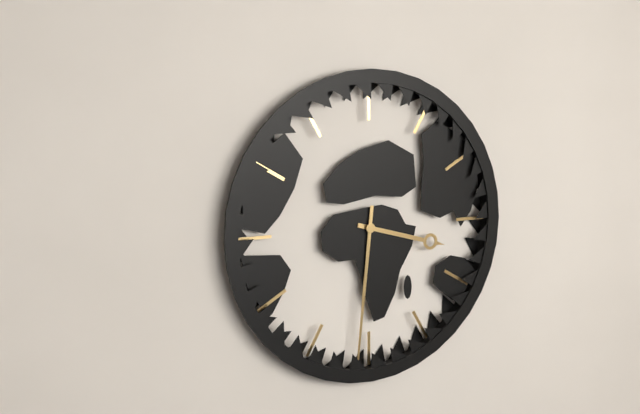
3:31
